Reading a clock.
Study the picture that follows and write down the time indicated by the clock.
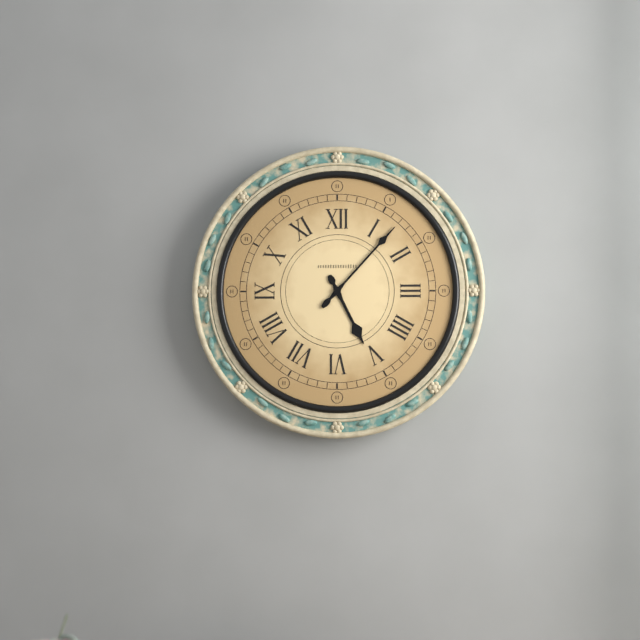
5:07
